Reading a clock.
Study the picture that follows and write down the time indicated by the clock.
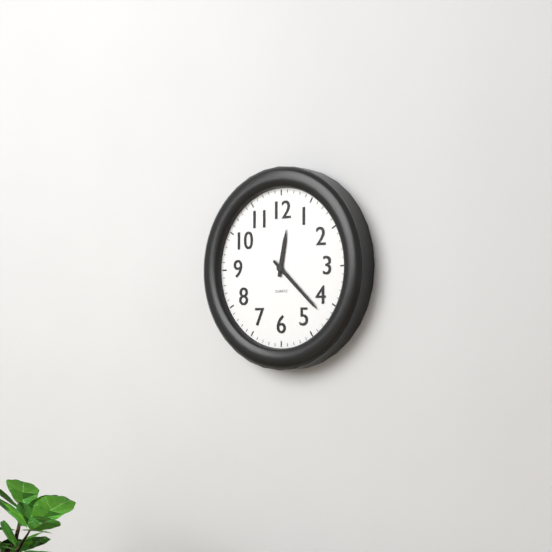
12:22
